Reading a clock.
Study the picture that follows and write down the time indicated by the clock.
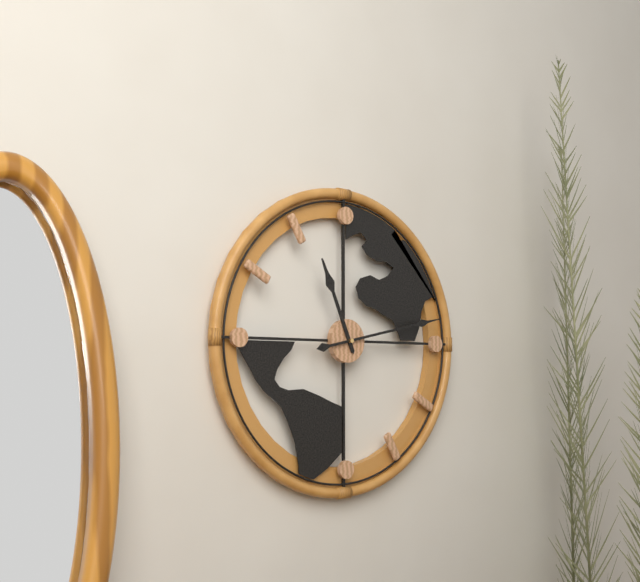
11:13
